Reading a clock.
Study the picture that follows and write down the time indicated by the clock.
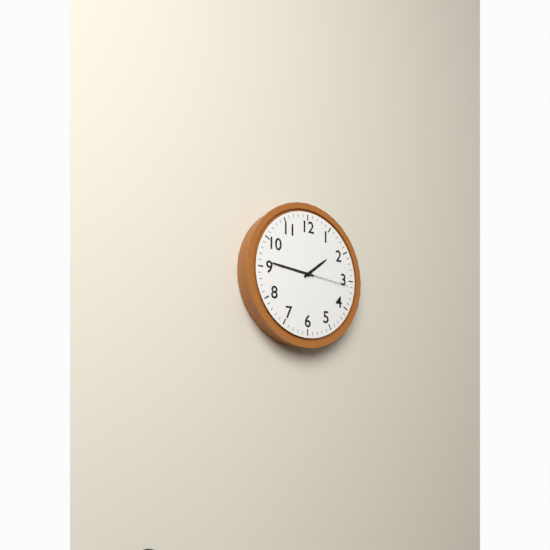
1:46:16
